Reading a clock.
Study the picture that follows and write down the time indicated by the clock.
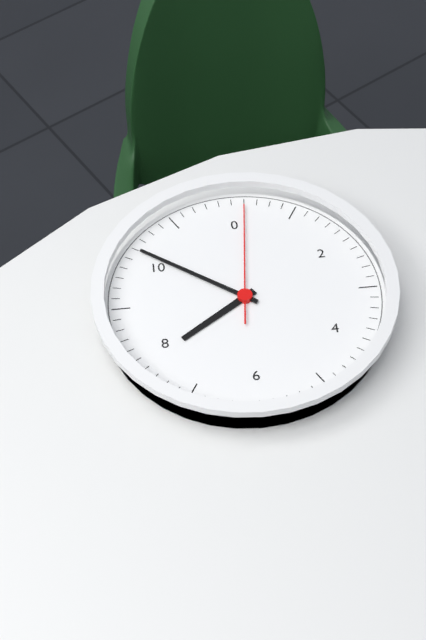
7:51:01
